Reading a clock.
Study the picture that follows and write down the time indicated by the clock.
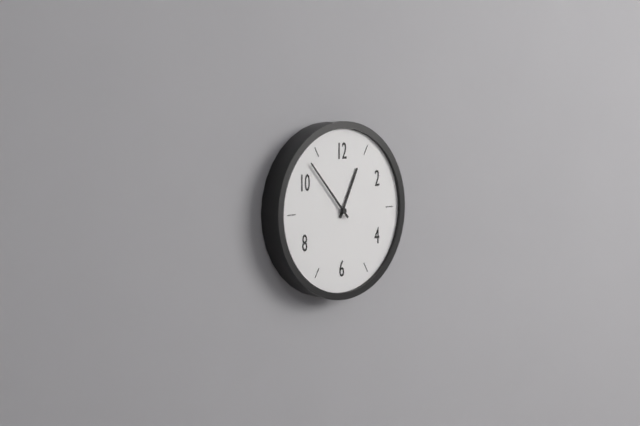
12:53
